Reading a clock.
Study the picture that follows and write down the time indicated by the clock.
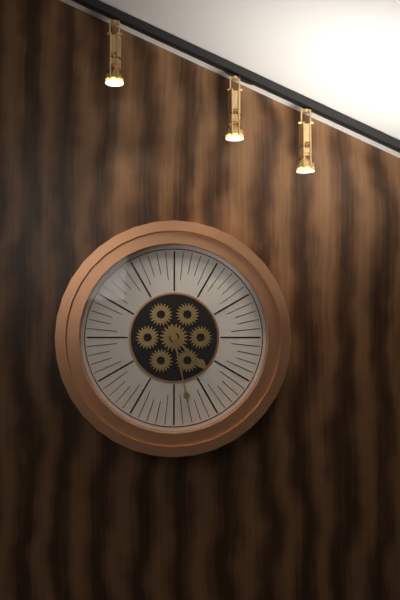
4:28
